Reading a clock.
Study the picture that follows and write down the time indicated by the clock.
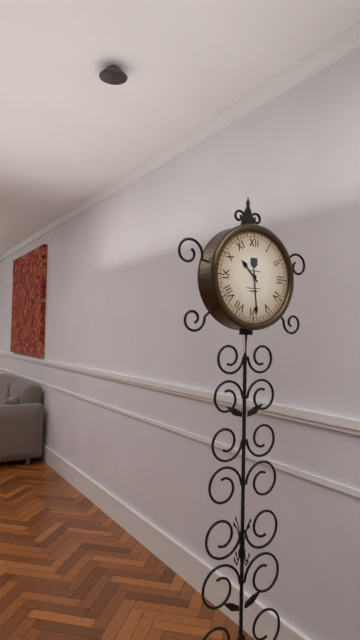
10:29
